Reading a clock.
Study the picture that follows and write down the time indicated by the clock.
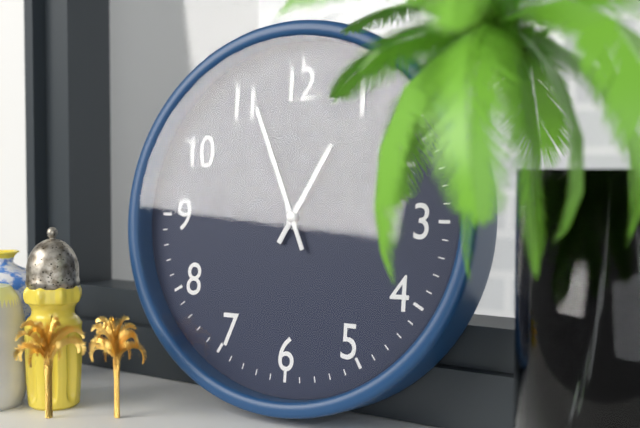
12:56
